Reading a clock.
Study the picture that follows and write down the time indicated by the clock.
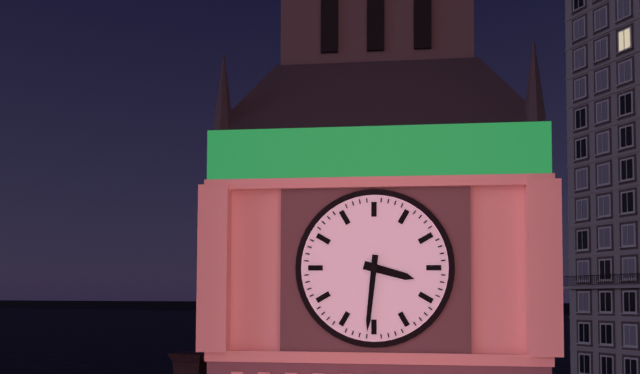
3:31
